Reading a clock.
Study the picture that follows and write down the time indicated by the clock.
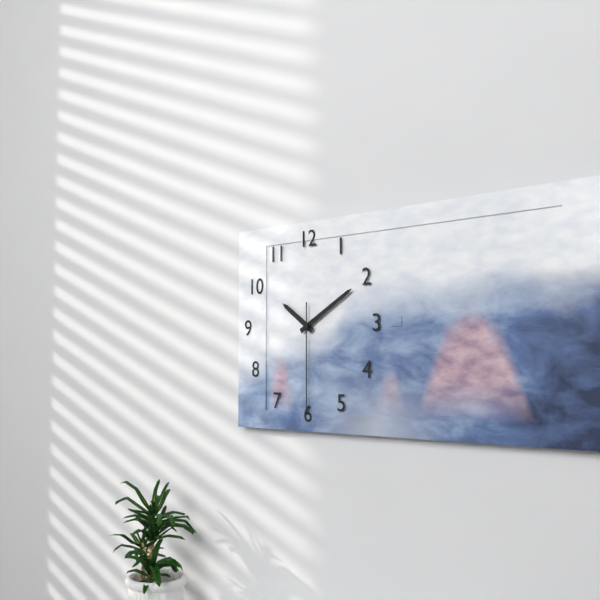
10:10:30
